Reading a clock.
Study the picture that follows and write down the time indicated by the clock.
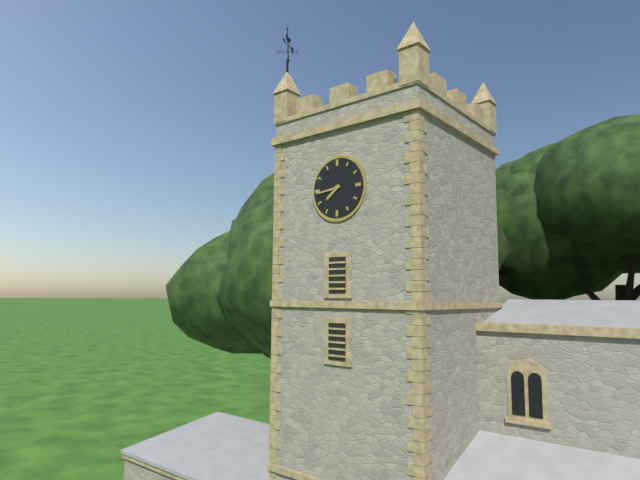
7:44
